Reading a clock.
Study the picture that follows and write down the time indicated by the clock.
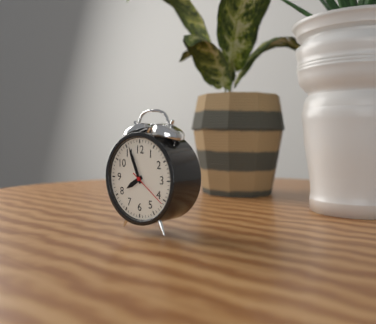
7:56
